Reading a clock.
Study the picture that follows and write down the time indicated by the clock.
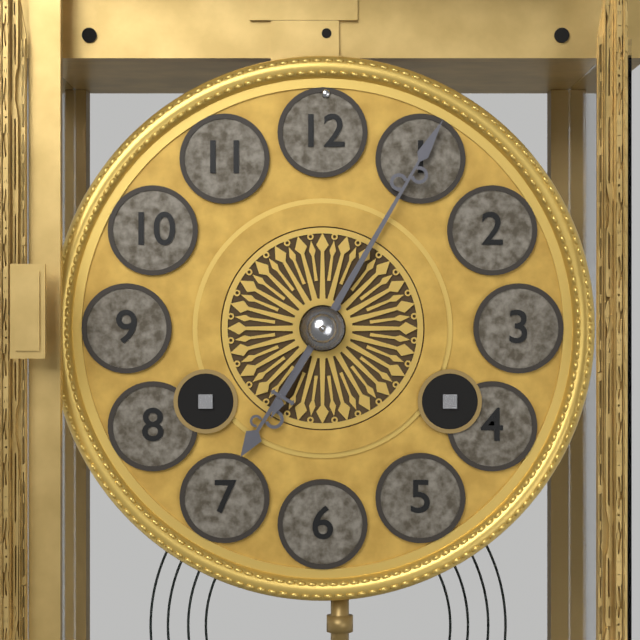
7:05
